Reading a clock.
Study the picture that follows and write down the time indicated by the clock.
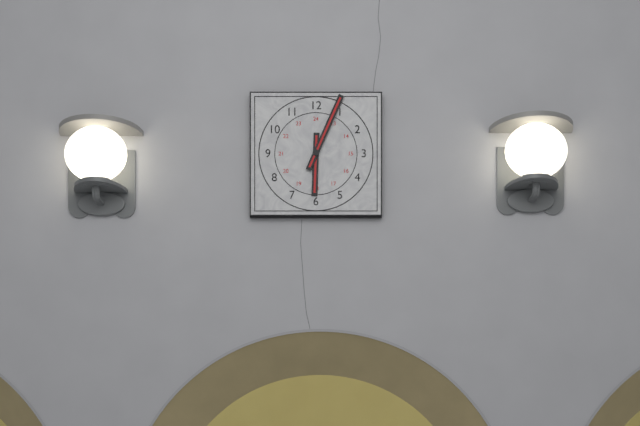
6:04
